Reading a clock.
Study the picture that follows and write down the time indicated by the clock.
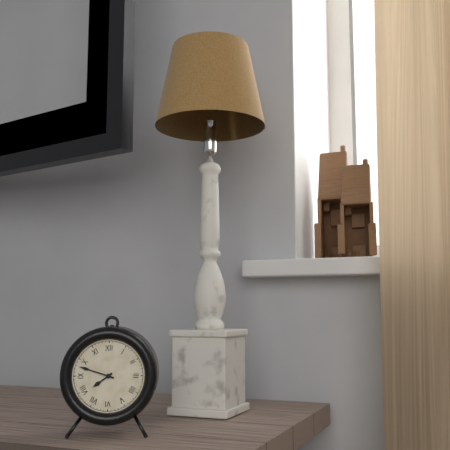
7:48
